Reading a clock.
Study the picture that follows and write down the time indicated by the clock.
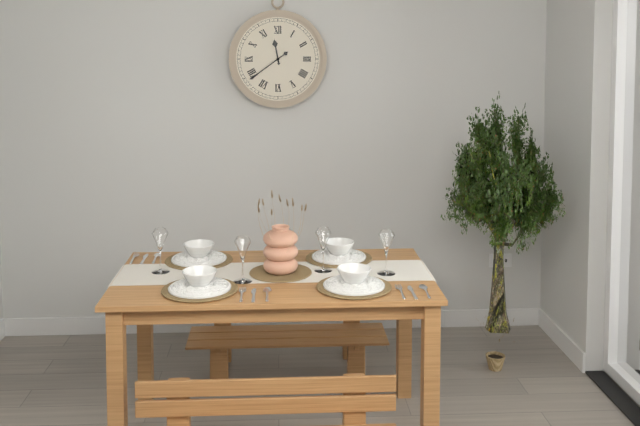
11:39
